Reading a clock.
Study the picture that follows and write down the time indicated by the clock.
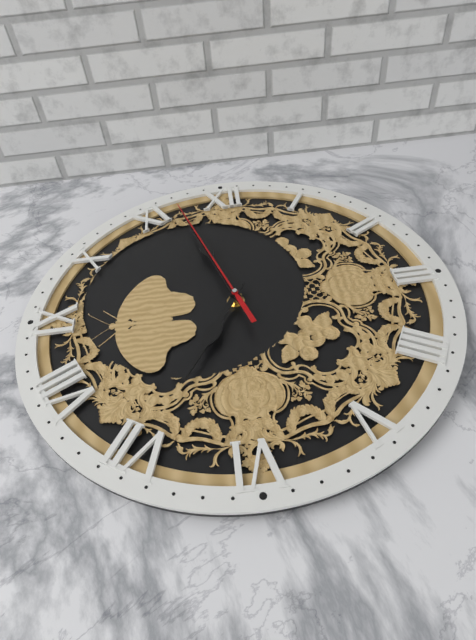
6:57:57
